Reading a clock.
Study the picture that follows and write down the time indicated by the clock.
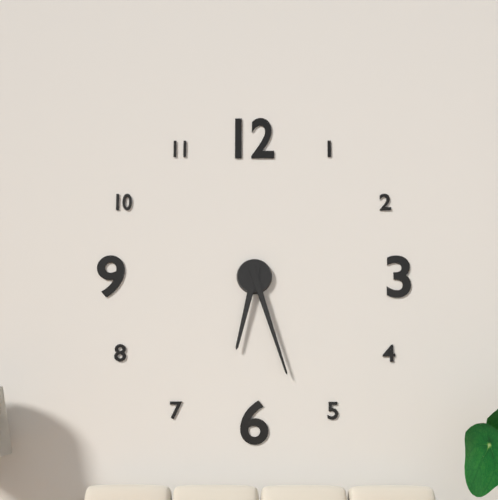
6:27
